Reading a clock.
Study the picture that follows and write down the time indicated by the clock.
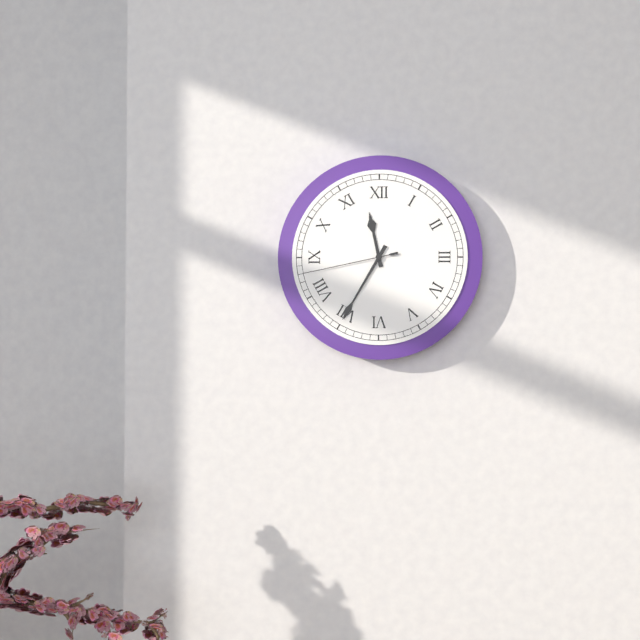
11:35:43
